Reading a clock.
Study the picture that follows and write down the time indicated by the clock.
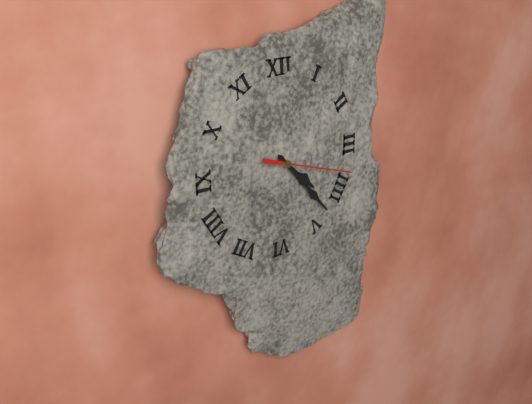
4:23:18
